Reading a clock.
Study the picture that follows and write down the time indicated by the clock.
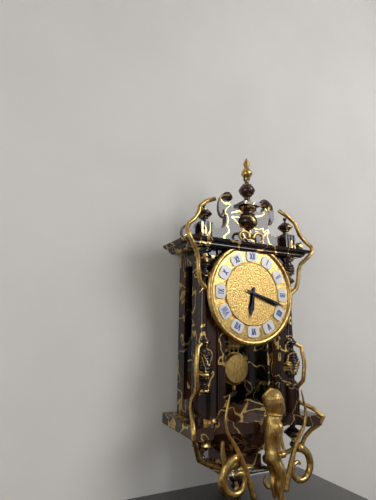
6:18
